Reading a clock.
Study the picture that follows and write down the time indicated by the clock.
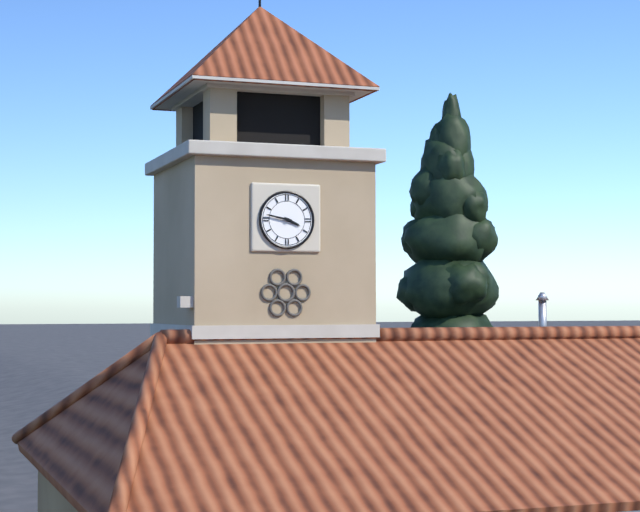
3:47
